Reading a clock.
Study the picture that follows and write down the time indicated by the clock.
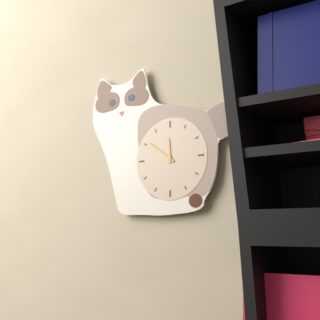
11:51
